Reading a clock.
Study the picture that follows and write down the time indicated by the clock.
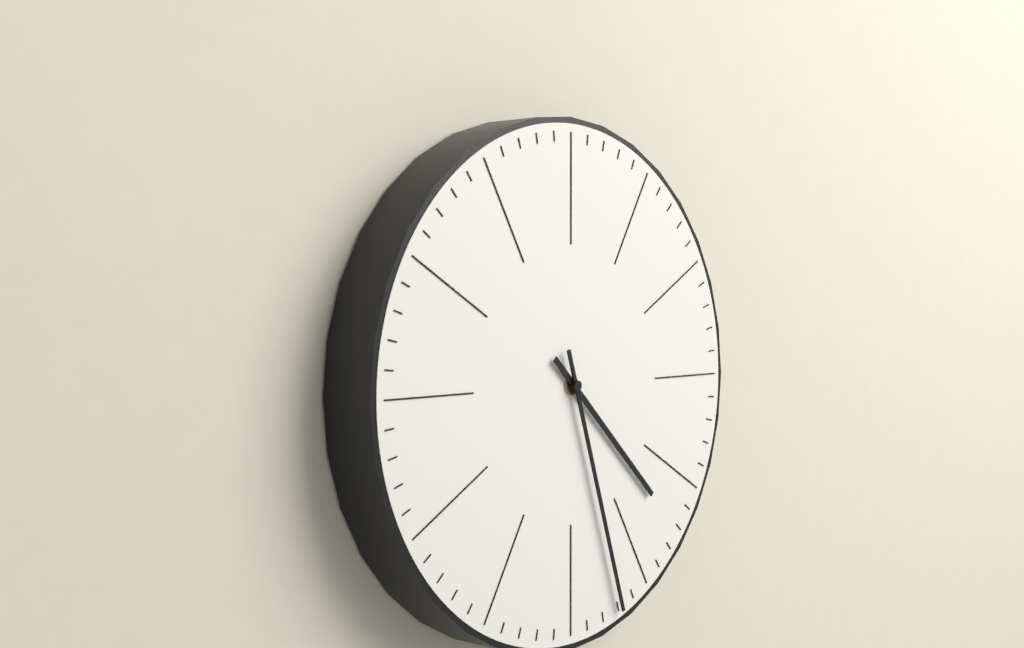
4:27
